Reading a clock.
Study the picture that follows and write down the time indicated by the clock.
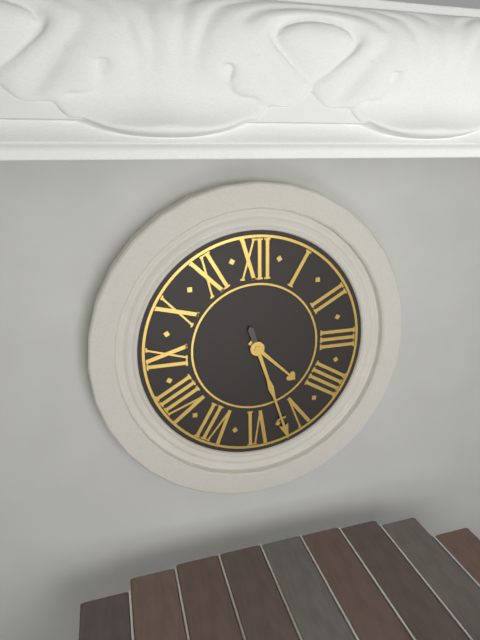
4:27
